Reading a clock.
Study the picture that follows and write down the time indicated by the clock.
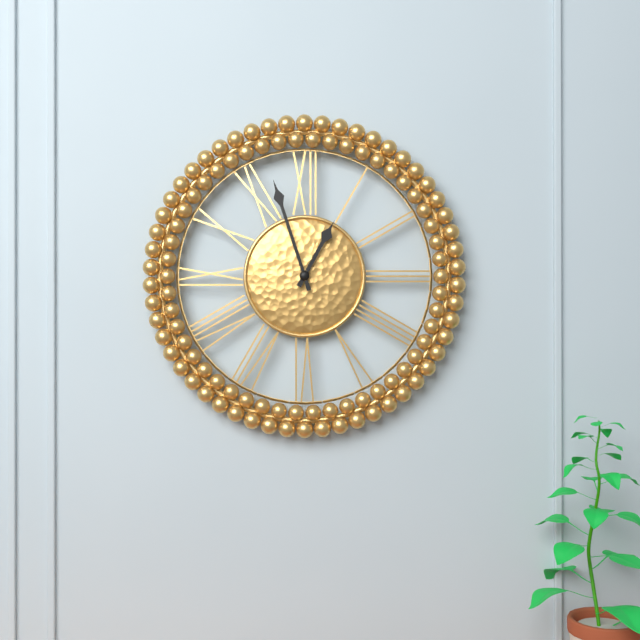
12:57
